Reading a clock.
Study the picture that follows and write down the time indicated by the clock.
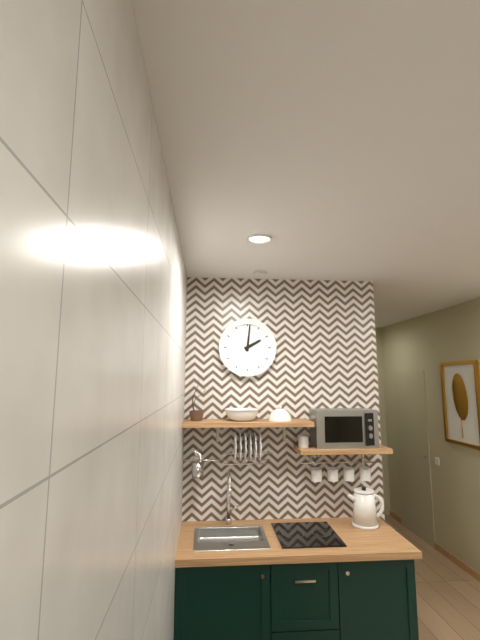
2:01
